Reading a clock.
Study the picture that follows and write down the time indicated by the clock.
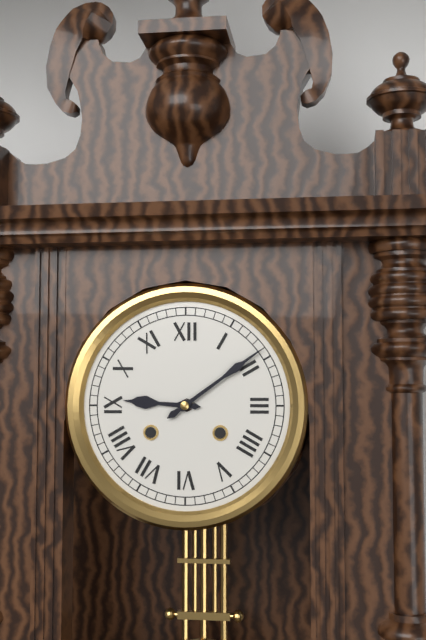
9:09
